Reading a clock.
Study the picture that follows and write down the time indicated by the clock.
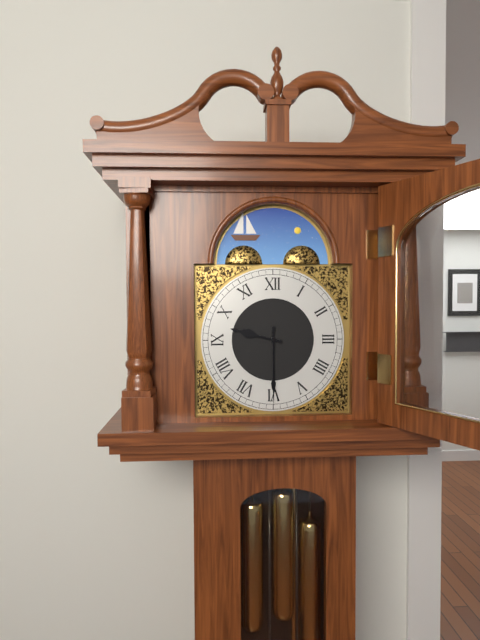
9:30
